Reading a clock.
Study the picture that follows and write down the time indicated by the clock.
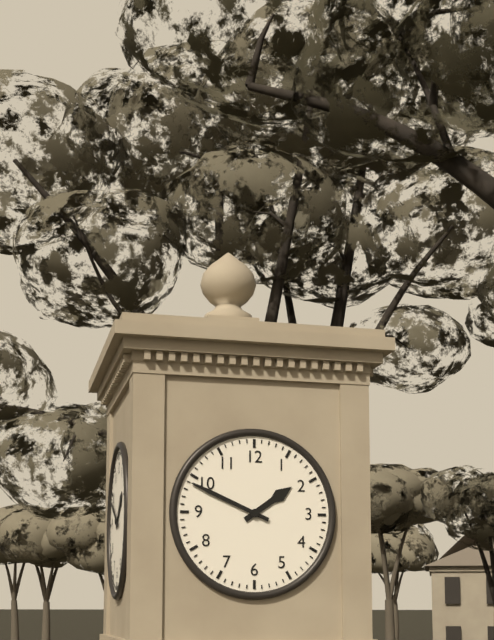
1:49
